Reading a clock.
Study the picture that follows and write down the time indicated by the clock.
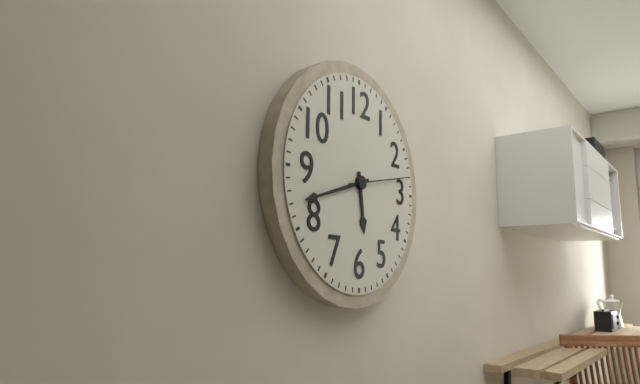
5:42:13
